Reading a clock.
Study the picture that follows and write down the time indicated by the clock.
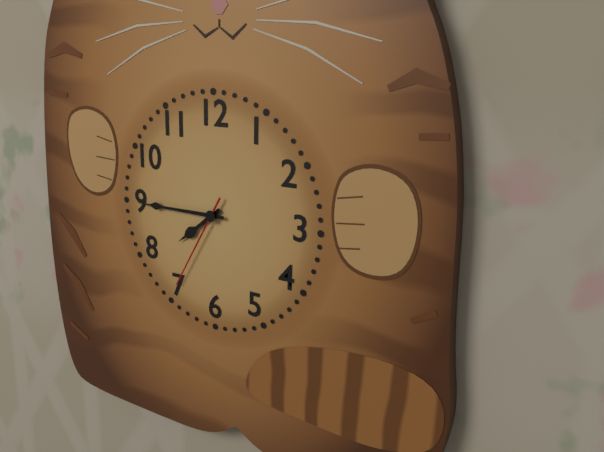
7:45:35
